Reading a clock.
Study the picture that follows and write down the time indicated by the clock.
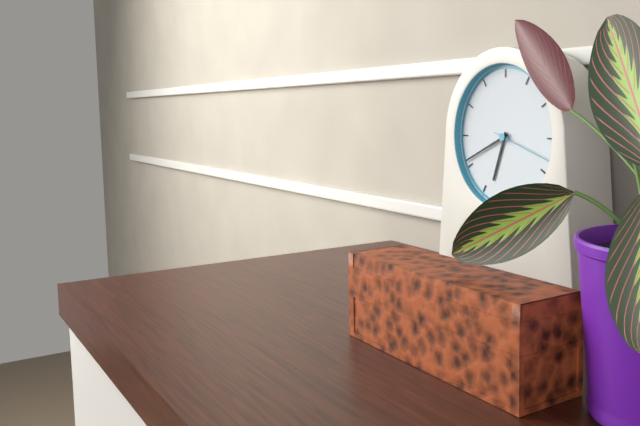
6:41:18
